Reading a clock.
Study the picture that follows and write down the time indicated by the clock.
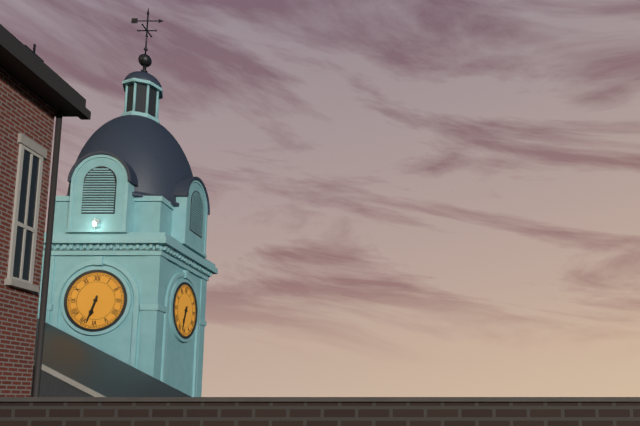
6:33
